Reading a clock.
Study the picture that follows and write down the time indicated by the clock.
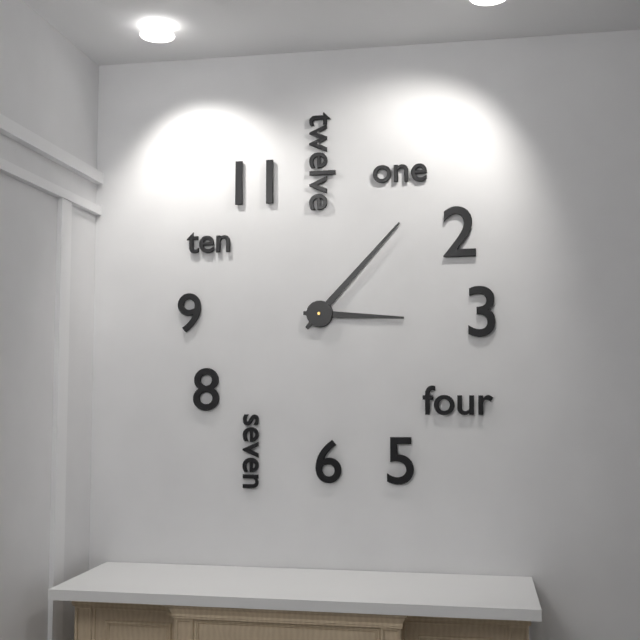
3:07
